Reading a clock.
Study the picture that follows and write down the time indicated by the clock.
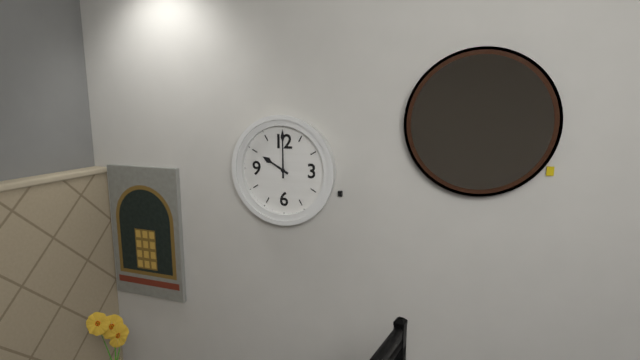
10:00
